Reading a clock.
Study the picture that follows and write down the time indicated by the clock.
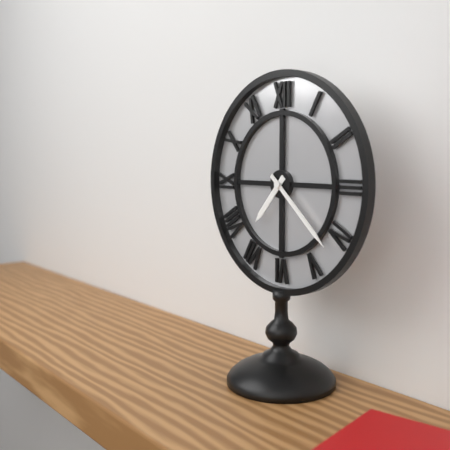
7:22
